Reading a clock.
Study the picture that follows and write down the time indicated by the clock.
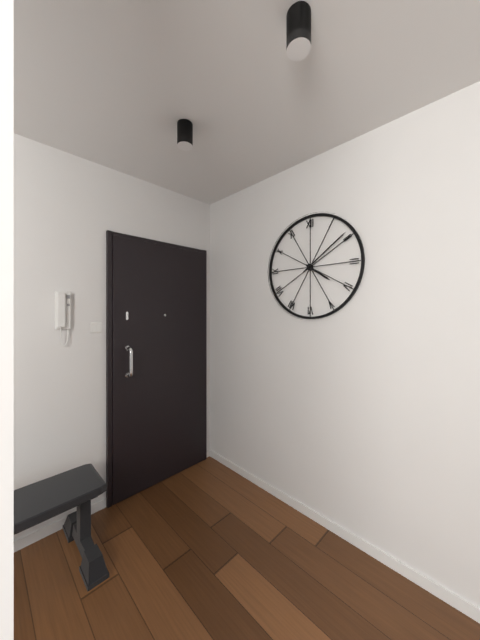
4:09
